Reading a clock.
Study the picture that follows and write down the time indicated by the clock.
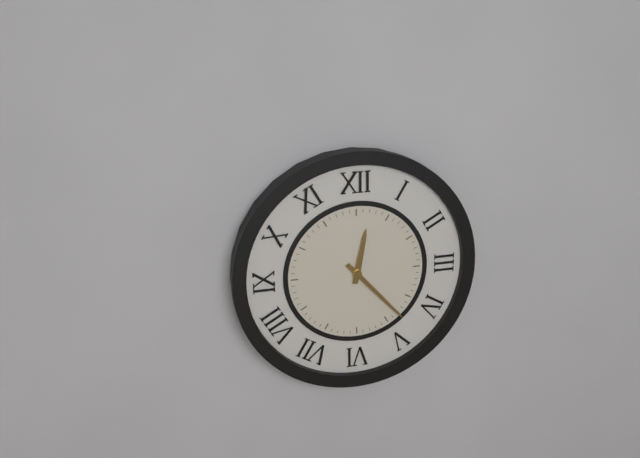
12:23
